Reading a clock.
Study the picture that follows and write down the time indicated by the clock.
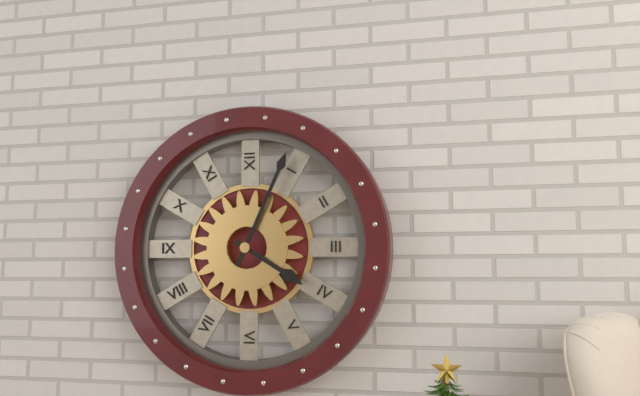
4:04
